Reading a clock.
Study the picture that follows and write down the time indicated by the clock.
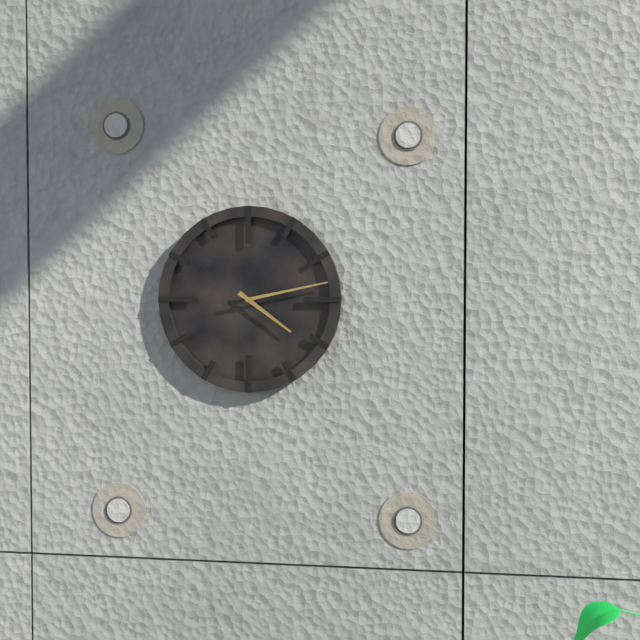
4:13
